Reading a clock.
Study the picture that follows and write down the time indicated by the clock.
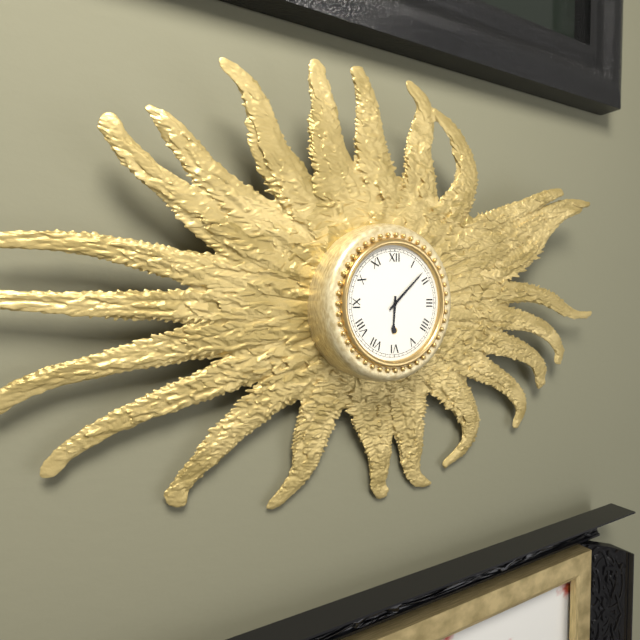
6:08
